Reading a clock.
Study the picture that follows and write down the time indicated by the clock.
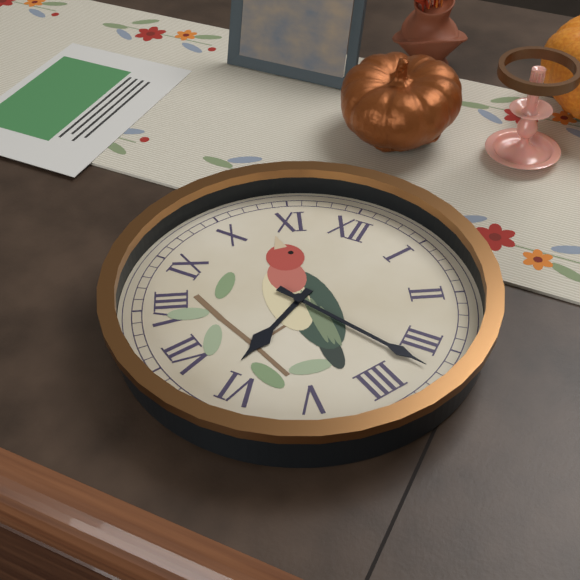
6:17
